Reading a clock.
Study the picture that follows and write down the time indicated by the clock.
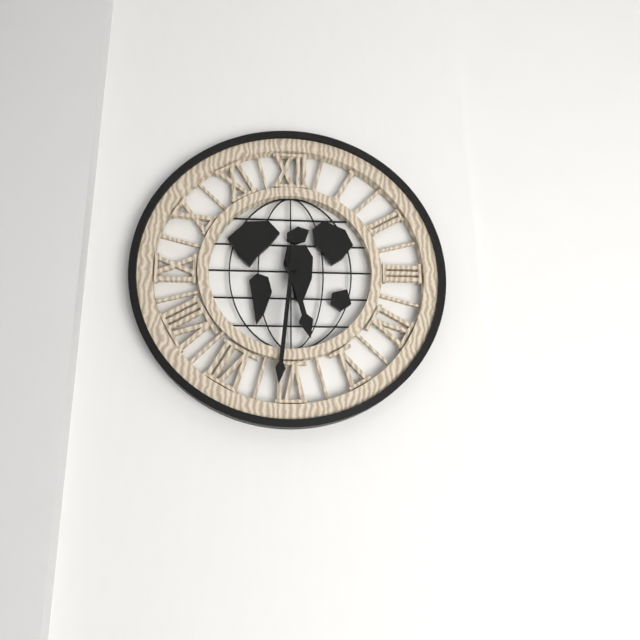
5:31
